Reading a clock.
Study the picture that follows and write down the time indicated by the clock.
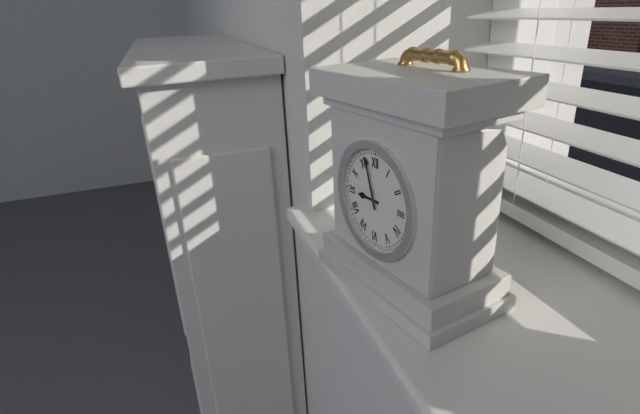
8:57
